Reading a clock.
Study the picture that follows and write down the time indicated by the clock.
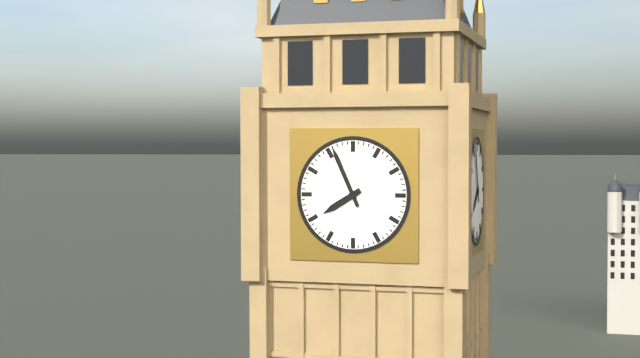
7:56
